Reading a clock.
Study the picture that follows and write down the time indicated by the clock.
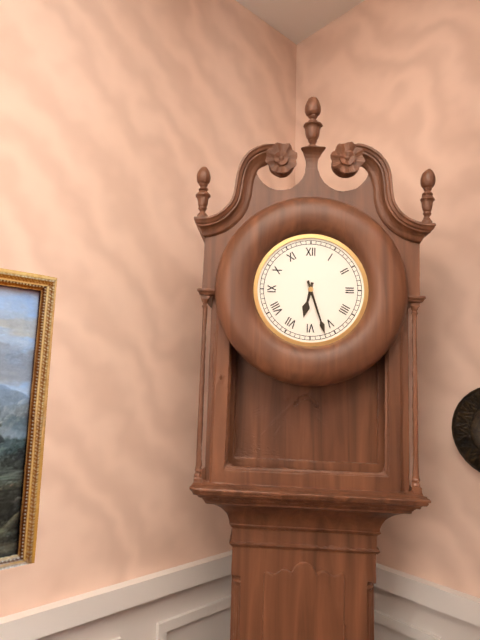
6:27
